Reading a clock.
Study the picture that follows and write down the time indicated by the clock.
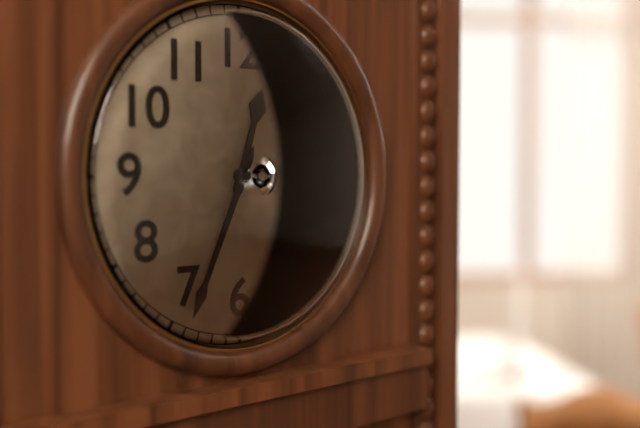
12:34
